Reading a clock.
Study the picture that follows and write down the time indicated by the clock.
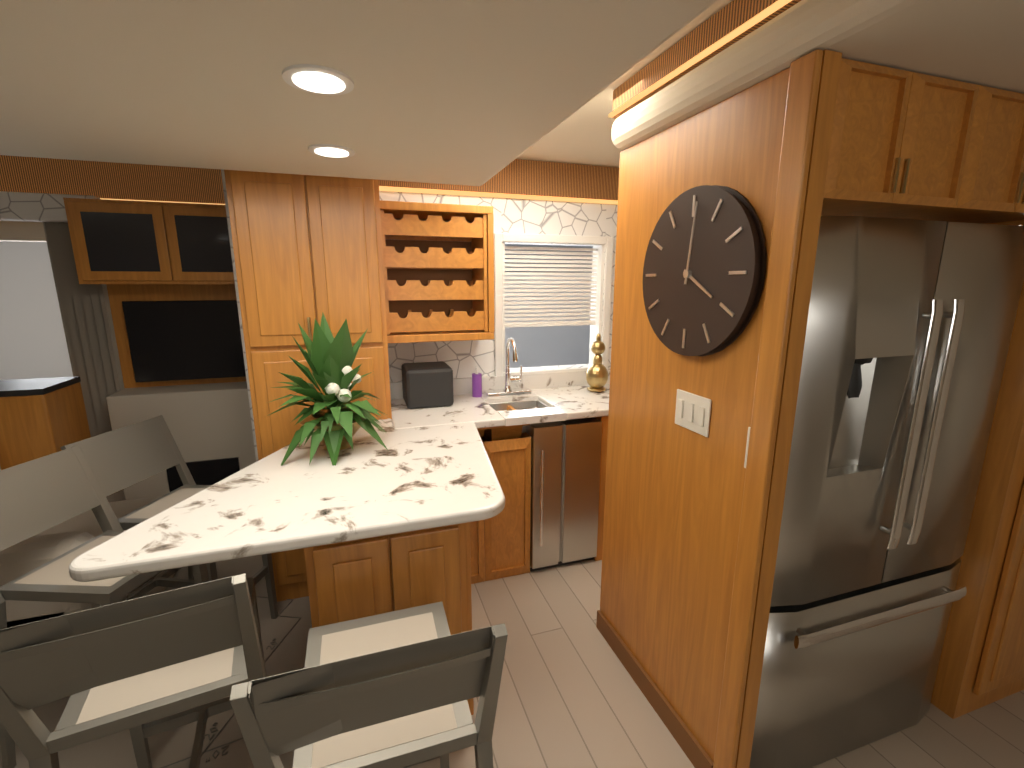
4:01
